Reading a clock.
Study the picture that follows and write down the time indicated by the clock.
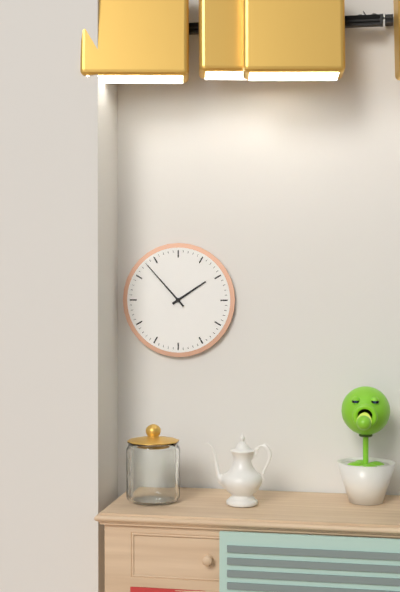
1:53
